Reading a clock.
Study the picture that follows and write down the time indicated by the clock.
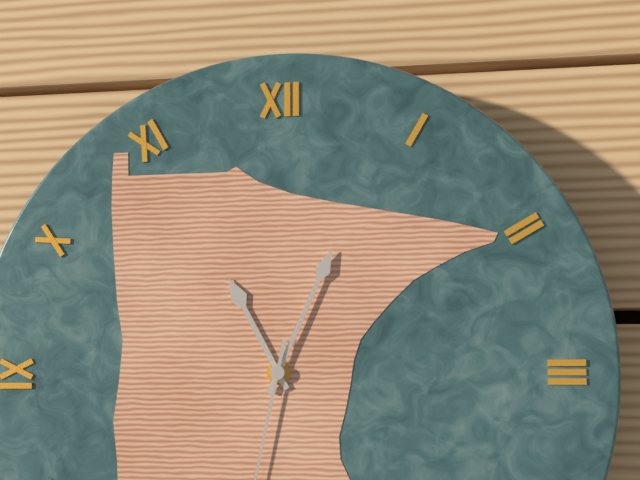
11:04
